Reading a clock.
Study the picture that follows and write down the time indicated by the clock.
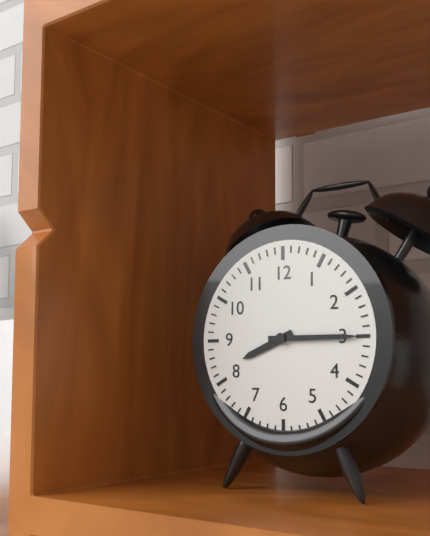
8:15
